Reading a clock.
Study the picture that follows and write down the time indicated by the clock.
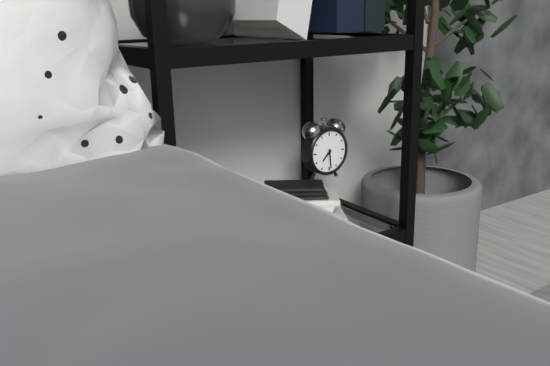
7:29
